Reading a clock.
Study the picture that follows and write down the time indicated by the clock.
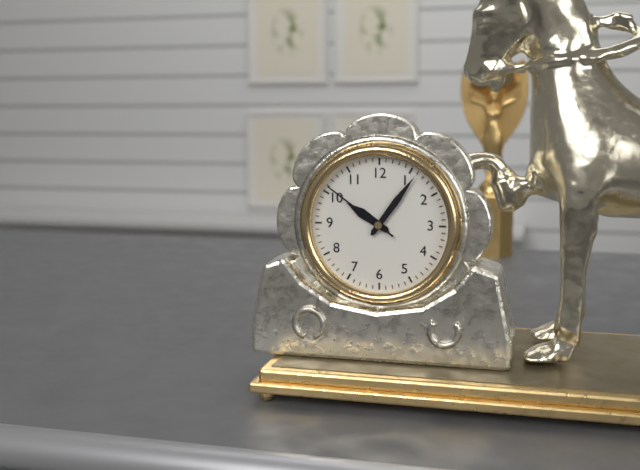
10:06:51
